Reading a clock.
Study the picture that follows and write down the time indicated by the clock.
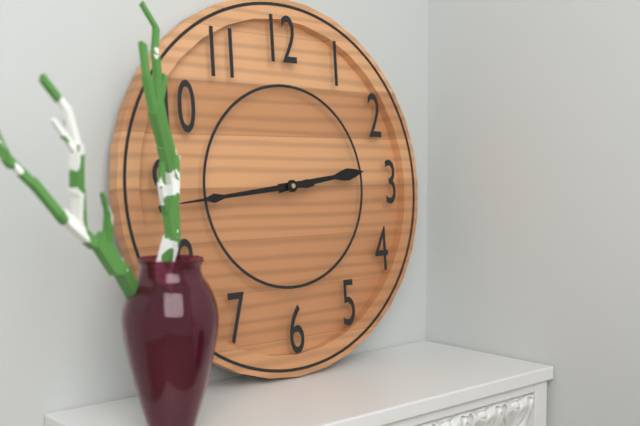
2:44
